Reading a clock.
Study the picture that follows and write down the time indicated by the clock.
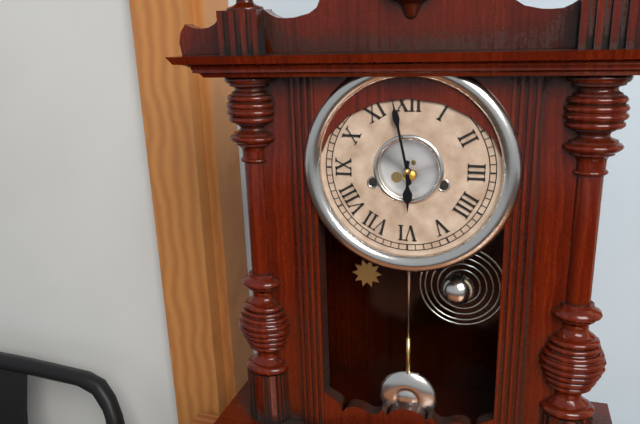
5:58
